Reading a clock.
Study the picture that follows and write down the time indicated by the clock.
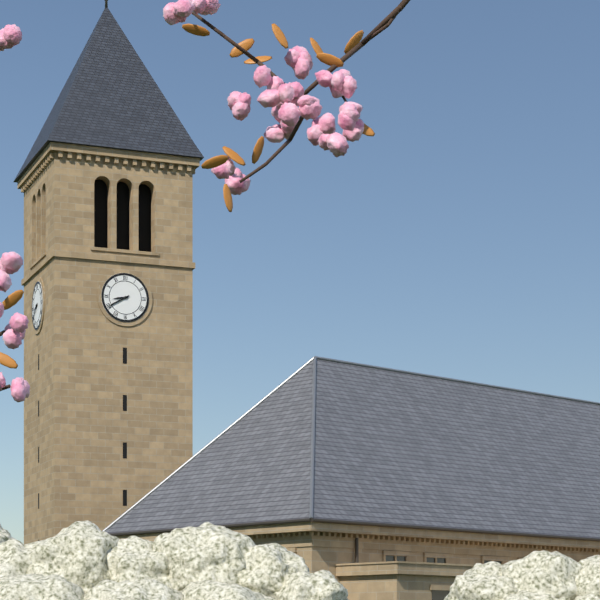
8:40
